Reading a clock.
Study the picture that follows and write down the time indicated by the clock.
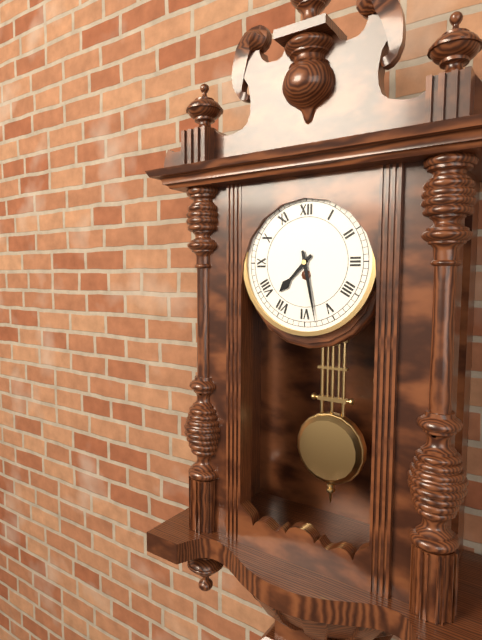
7:28
